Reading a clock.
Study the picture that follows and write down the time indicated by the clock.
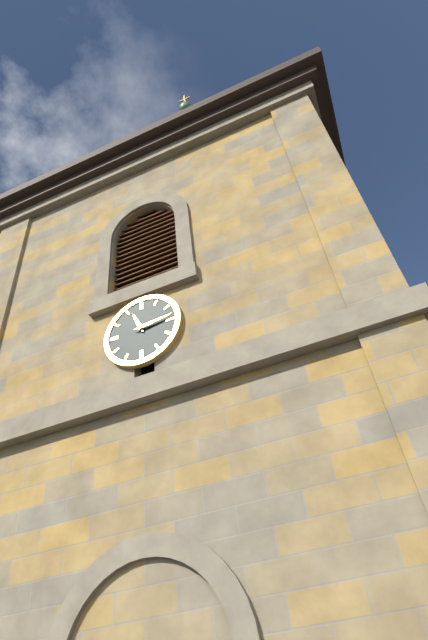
11:14
